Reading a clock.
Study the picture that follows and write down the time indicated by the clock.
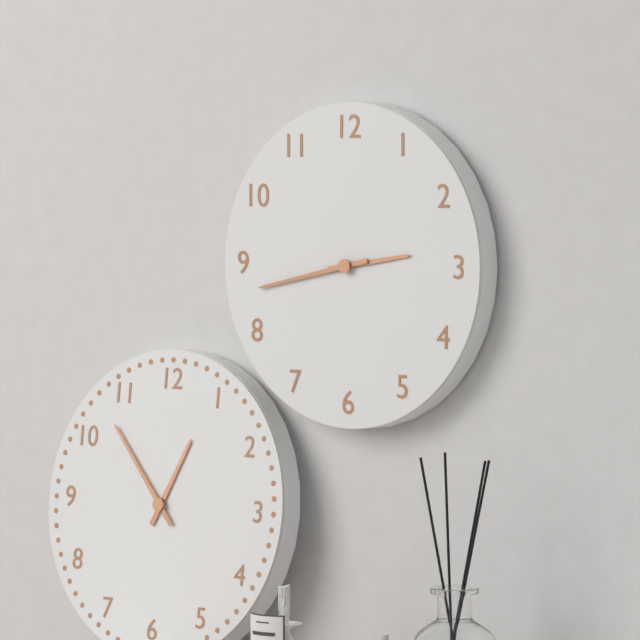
2:43
